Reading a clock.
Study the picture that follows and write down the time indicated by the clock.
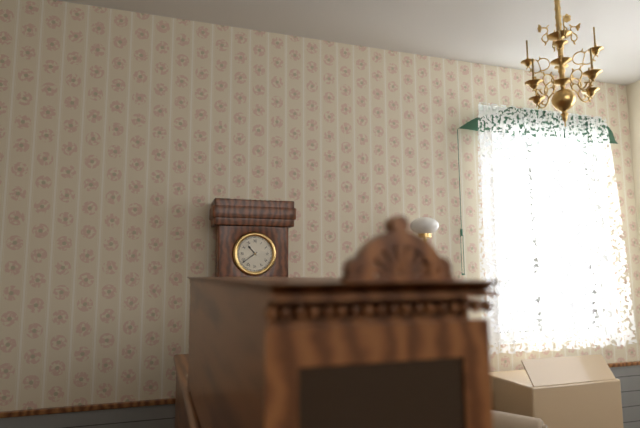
10:39
